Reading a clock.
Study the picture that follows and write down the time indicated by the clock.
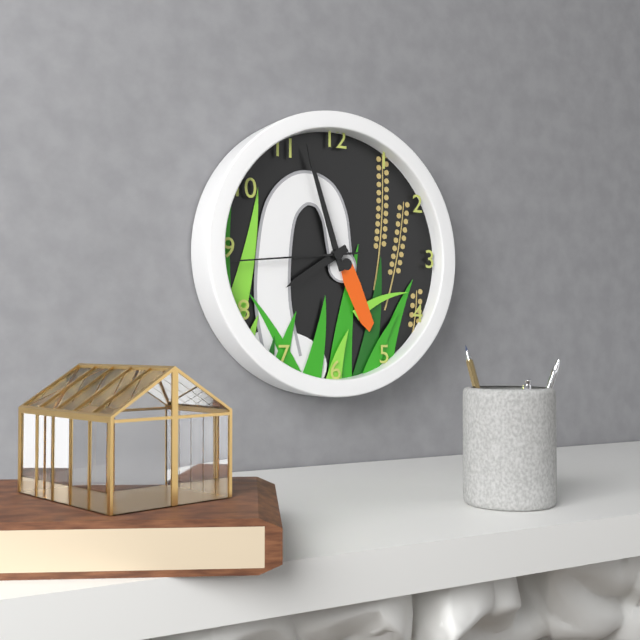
7:57:44
